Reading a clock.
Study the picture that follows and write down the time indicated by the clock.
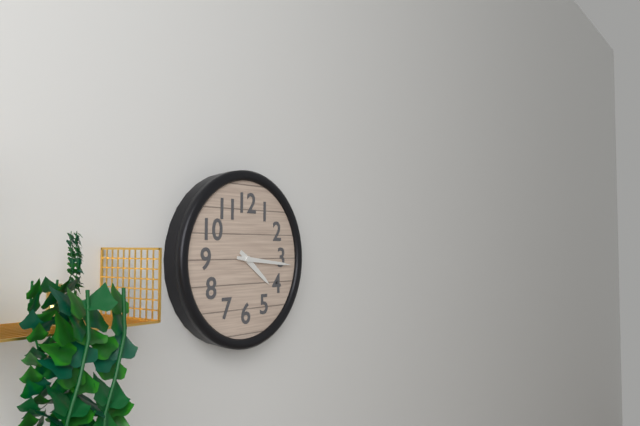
4:16
